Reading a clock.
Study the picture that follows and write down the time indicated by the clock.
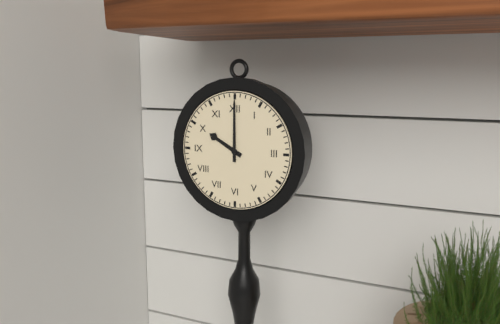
10:00
